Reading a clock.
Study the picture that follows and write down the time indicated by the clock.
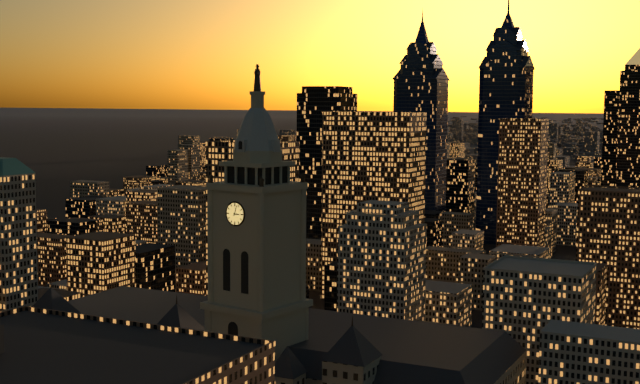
3:03
